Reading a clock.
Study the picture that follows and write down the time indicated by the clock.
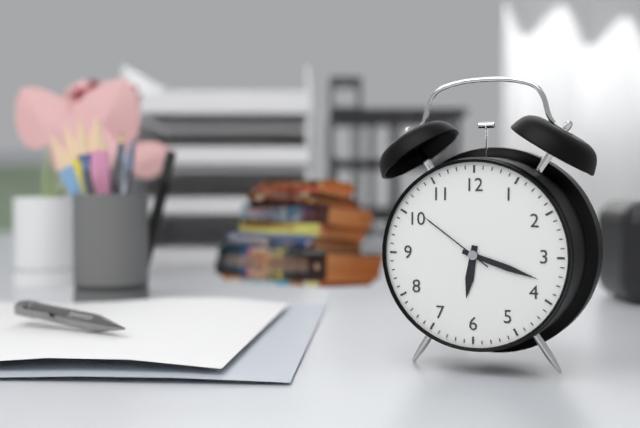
6:18:51
